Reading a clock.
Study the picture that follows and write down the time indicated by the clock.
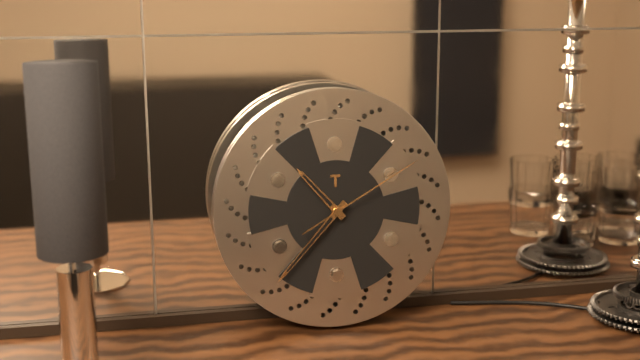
10:37:10
